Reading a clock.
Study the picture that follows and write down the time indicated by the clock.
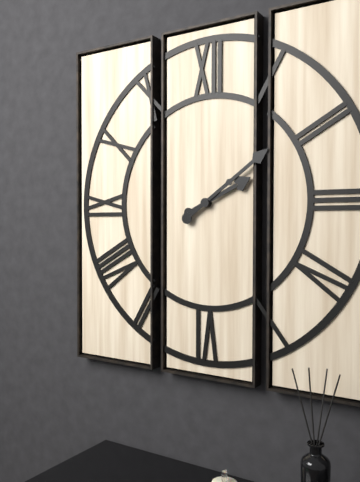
2:09
